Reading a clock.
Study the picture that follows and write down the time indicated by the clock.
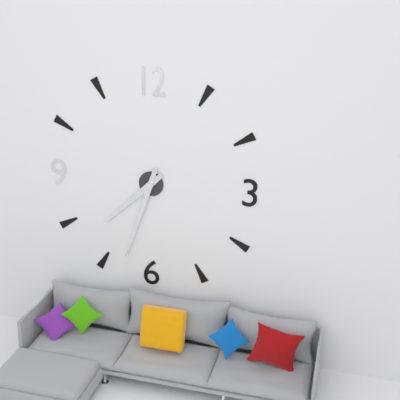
7:33
